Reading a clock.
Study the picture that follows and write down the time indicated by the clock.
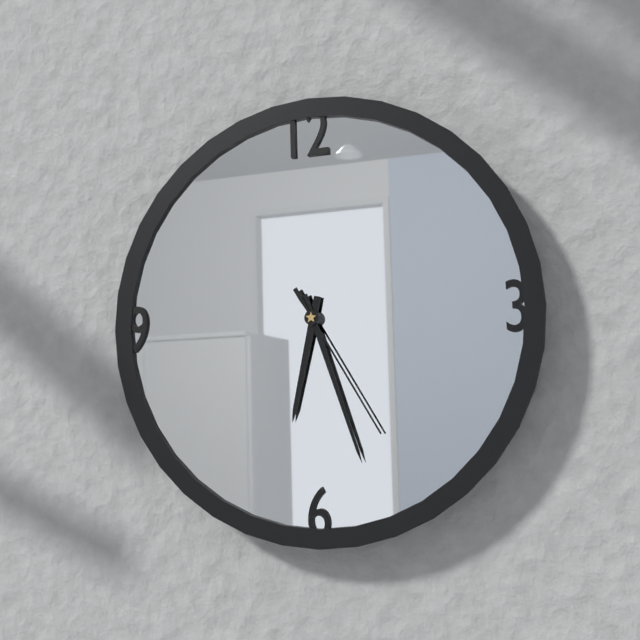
6:27:25
